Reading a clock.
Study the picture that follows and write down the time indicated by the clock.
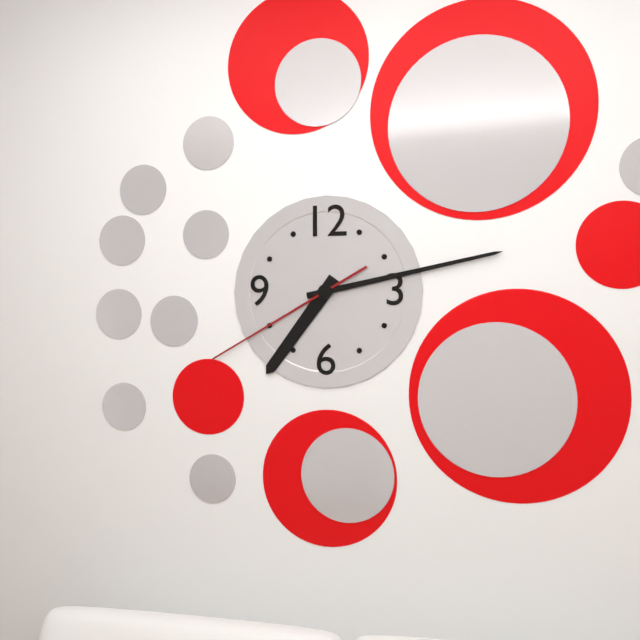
7:13:40
